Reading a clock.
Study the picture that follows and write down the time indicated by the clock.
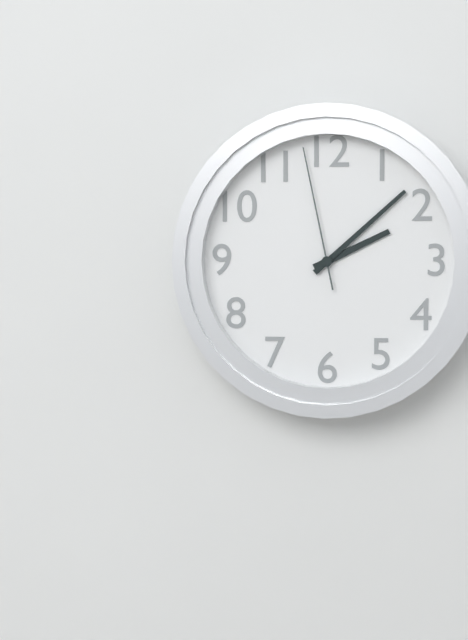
2:08:58
